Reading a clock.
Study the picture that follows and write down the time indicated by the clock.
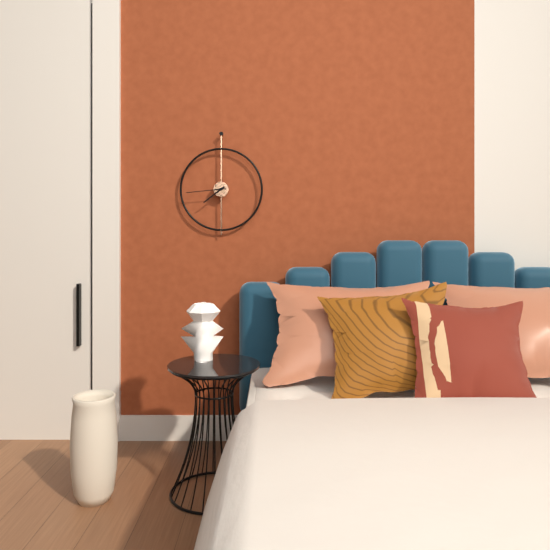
7:44
